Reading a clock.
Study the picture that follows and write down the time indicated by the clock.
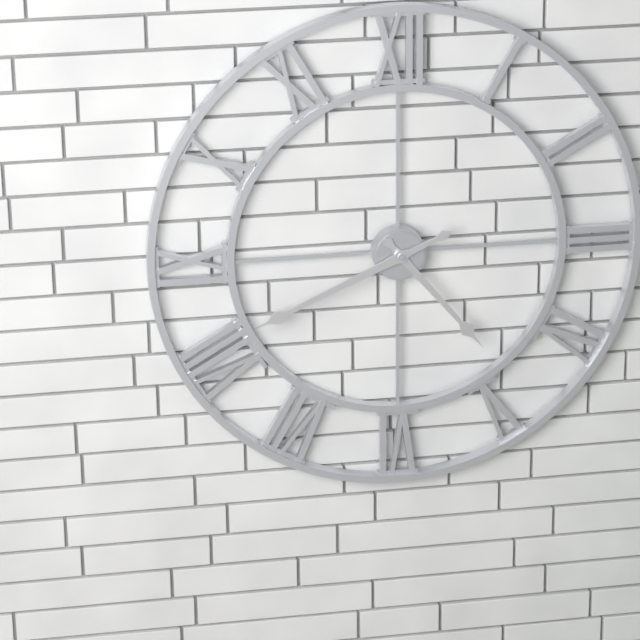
4:41
